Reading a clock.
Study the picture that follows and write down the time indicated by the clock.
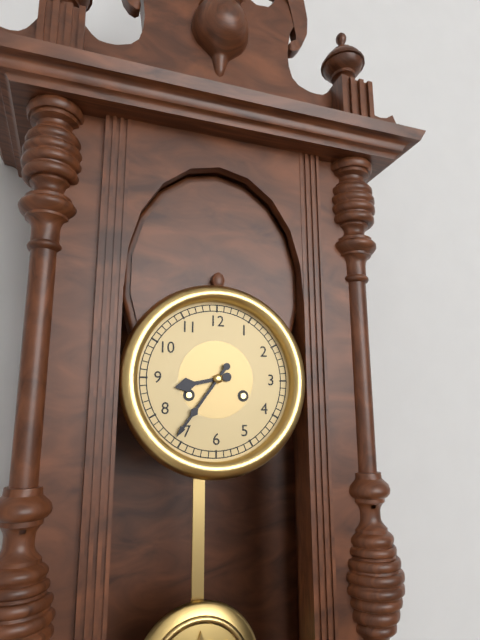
8:36
